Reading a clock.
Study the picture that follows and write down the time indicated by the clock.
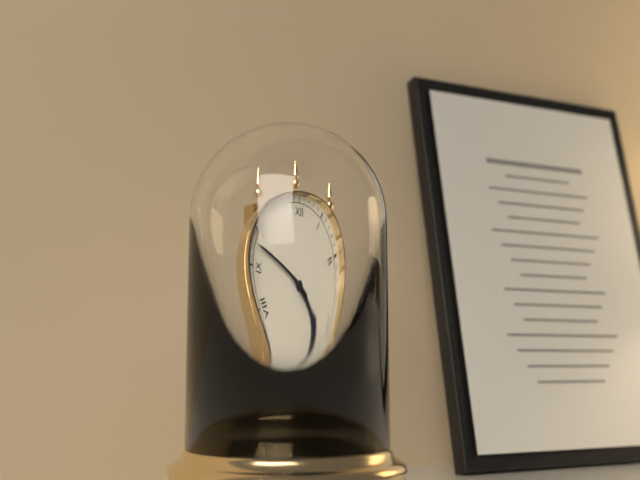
3:48
